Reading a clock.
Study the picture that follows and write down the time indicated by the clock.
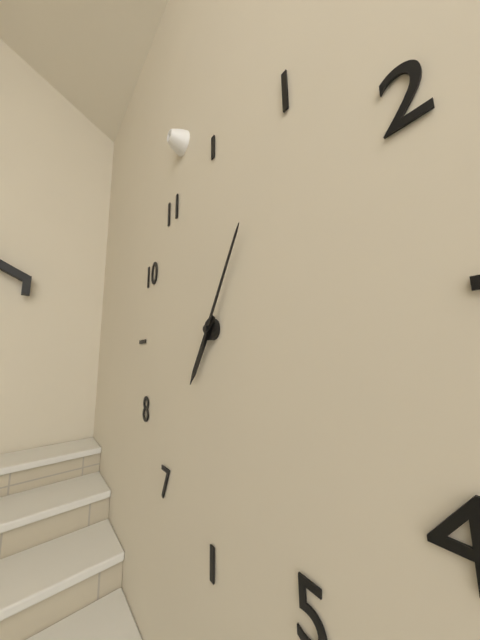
7:05
